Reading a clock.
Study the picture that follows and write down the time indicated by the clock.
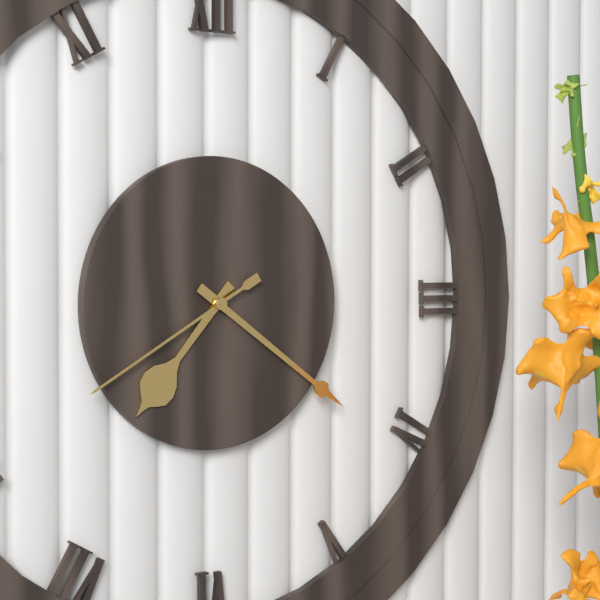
7:21:40
